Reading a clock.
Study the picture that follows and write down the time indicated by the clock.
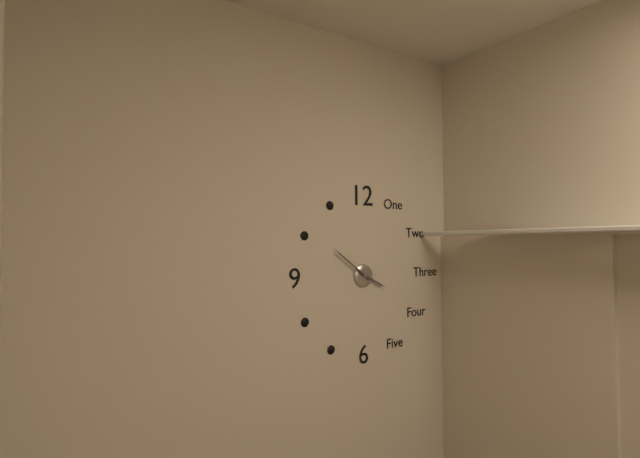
3:51
